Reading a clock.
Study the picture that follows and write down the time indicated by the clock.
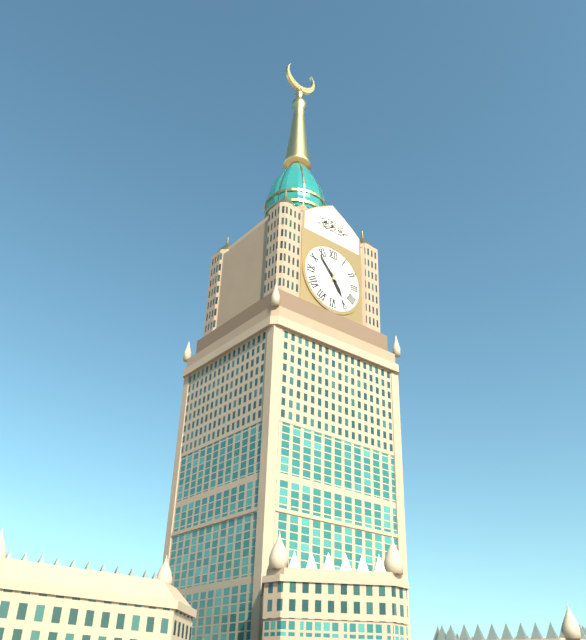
4:53
